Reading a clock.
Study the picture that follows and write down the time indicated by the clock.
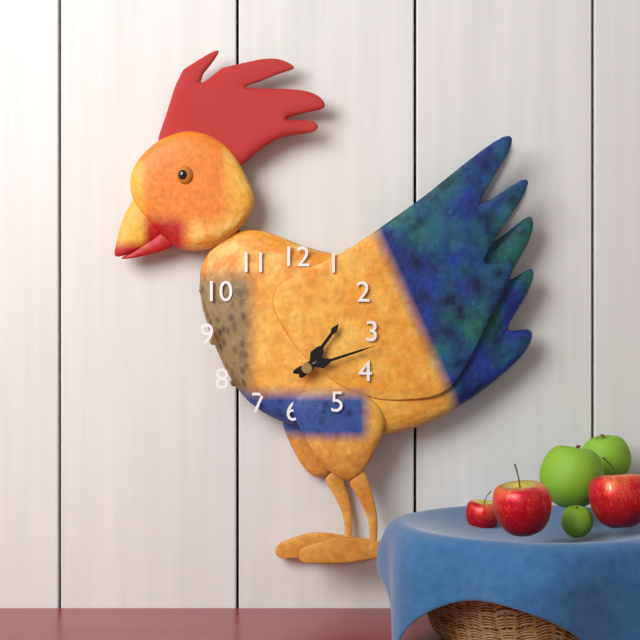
1:12
